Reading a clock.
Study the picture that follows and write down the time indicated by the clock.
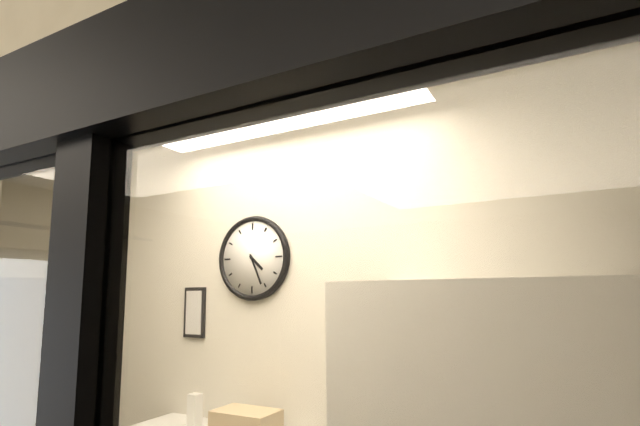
4:26
